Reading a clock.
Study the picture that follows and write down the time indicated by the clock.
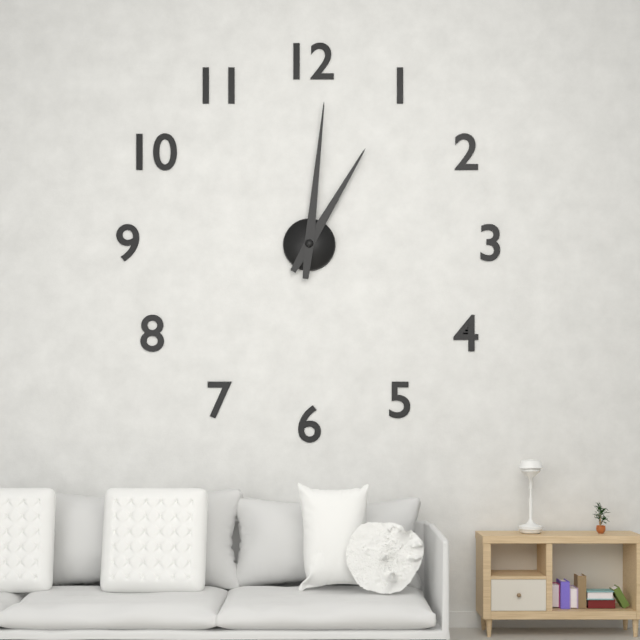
1:01
